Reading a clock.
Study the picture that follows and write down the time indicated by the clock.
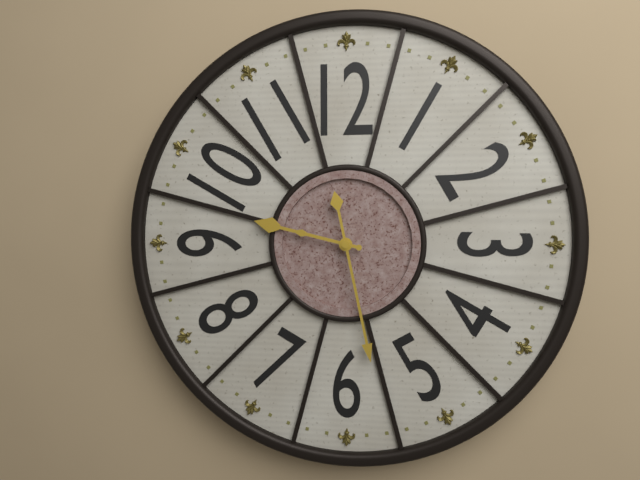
9:28
